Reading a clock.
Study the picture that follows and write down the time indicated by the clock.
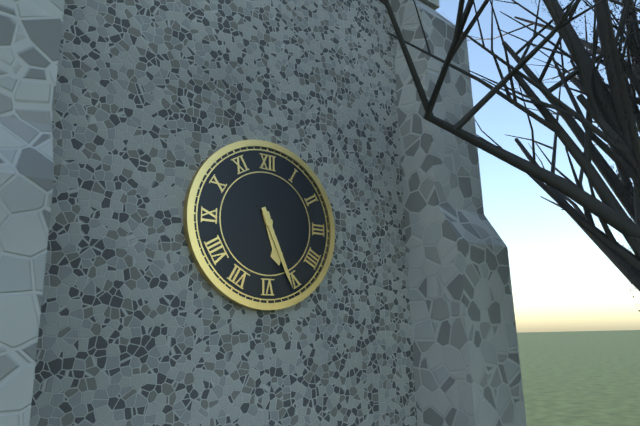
5:26
